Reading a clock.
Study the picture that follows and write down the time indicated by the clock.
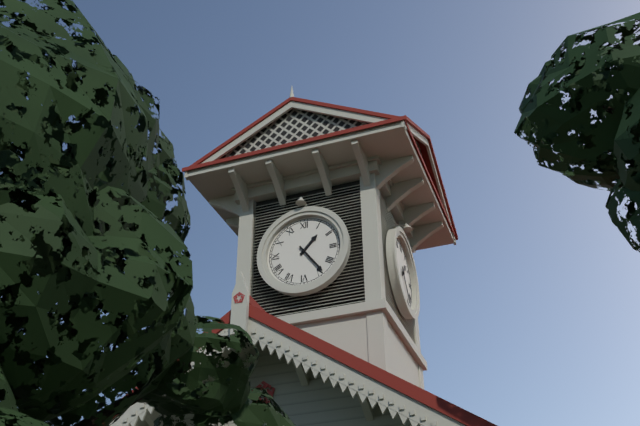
1:24
